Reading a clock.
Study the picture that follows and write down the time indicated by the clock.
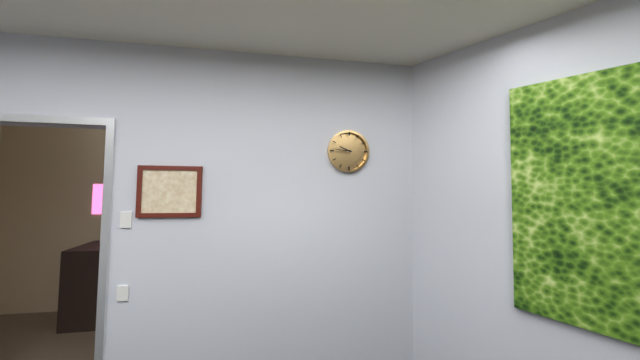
9:46
